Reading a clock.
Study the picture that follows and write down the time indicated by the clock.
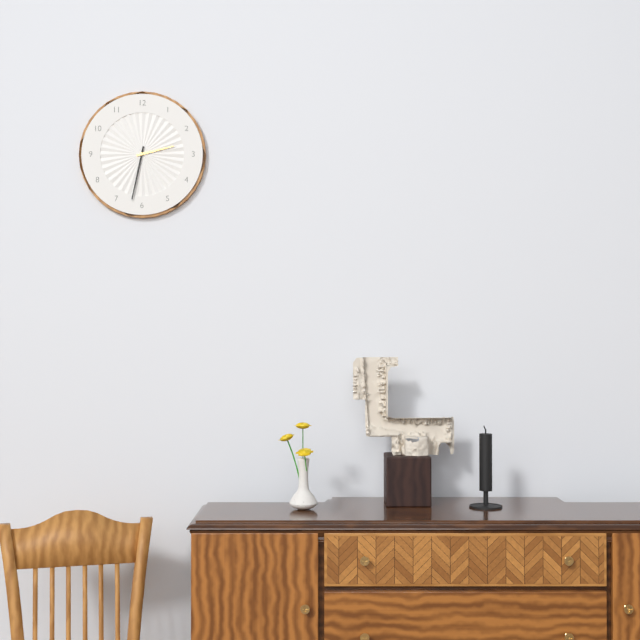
2:32
